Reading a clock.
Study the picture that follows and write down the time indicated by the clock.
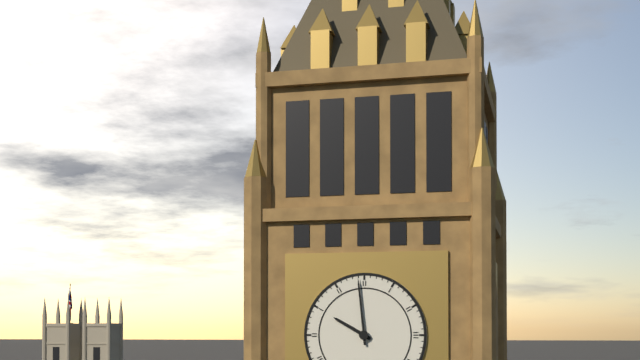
9:59
